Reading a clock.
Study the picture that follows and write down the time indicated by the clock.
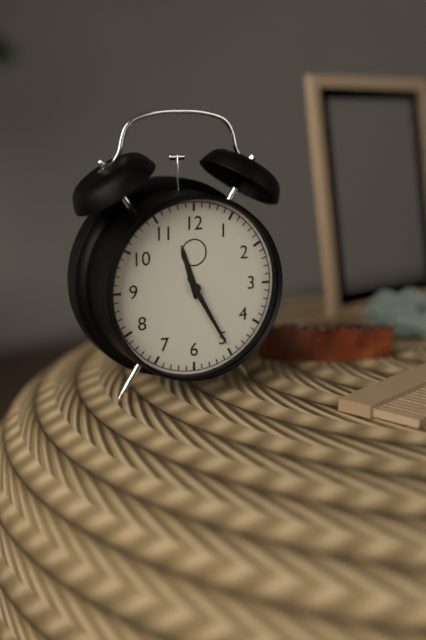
11:25
